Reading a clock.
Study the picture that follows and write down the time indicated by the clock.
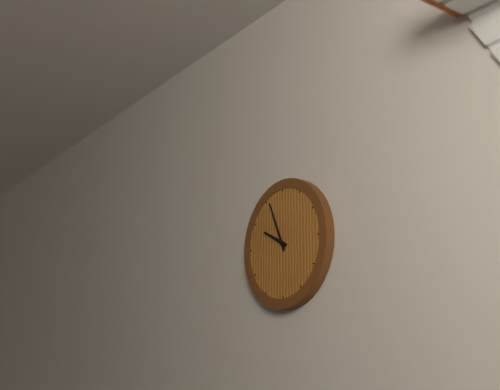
9:56
